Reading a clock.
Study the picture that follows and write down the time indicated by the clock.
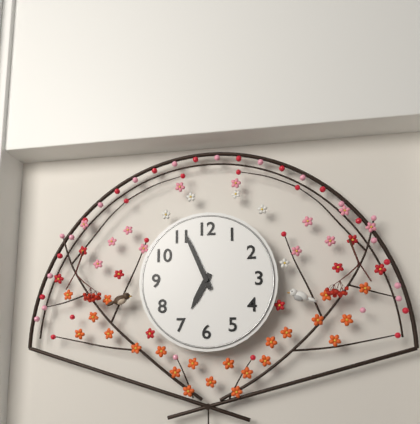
6:56
